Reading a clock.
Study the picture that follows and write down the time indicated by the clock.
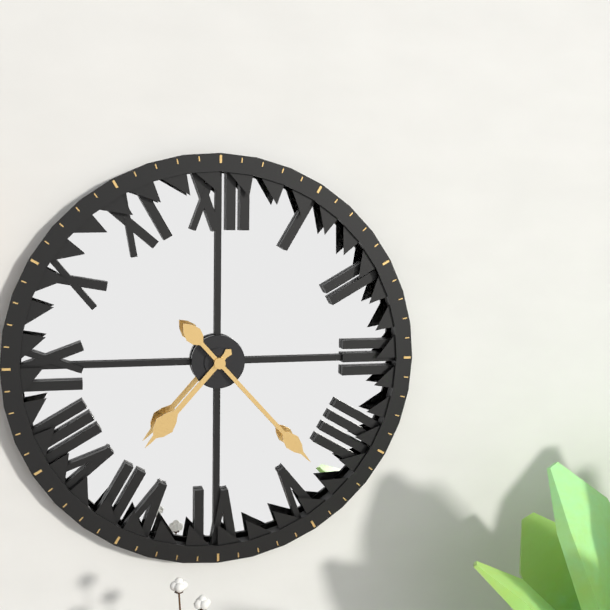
7:23
